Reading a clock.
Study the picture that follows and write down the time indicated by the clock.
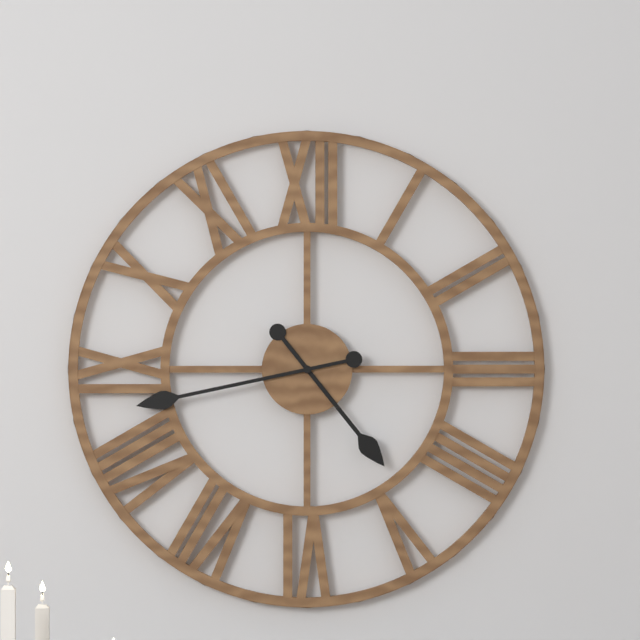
4:43
